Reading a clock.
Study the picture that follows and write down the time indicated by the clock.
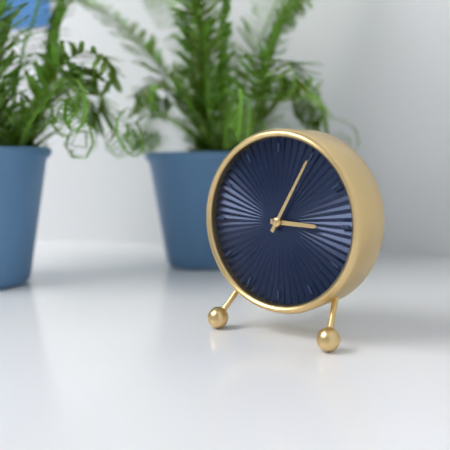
3:05
